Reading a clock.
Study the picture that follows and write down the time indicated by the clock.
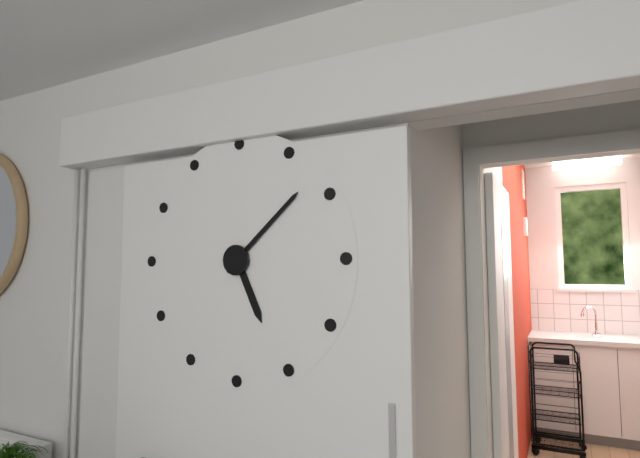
5:08
